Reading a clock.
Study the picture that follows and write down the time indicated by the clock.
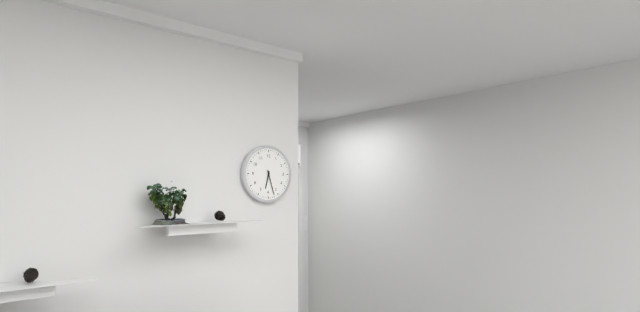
6:27
